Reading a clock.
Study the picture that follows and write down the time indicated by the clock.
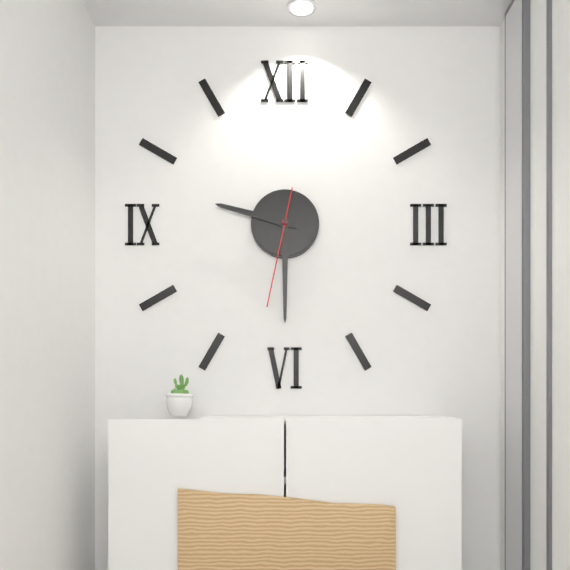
9:30:32
